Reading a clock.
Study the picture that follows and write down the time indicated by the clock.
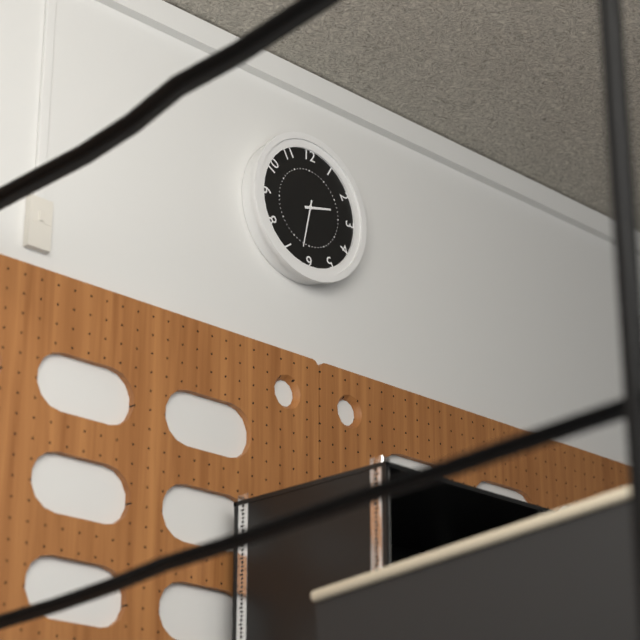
2:32
